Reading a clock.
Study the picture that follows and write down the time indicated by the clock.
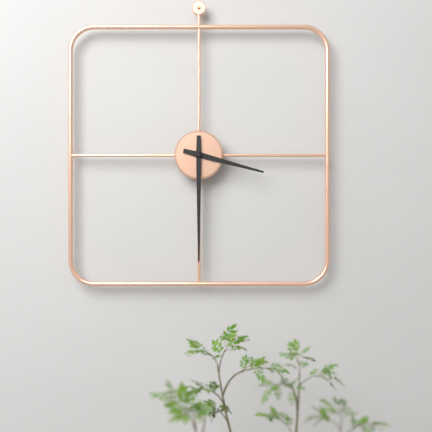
3:30
